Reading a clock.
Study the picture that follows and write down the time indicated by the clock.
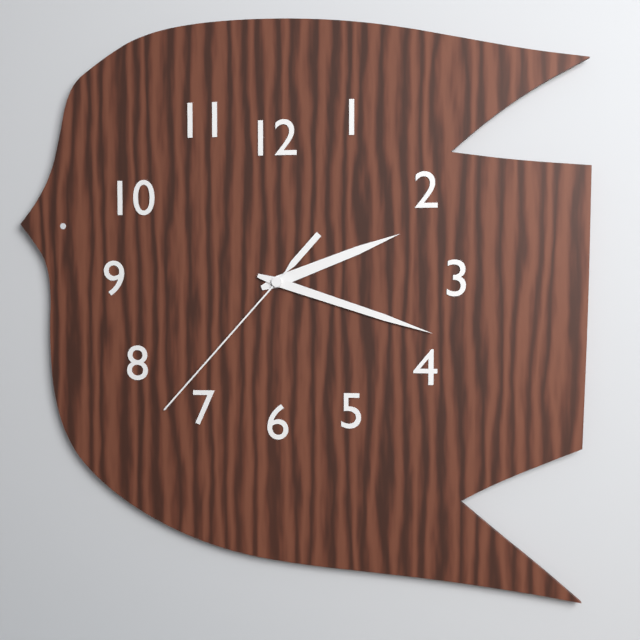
2:18:37
